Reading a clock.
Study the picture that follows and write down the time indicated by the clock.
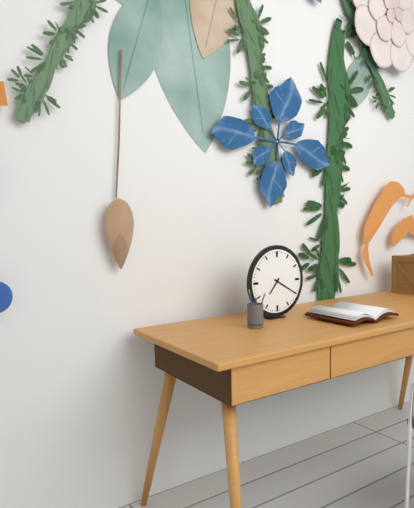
7:20
